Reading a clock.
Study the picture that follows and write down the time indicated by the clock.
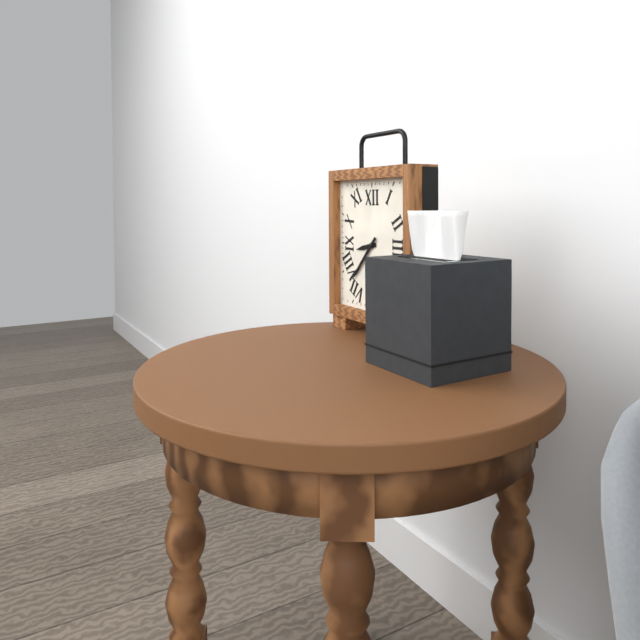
8:37
